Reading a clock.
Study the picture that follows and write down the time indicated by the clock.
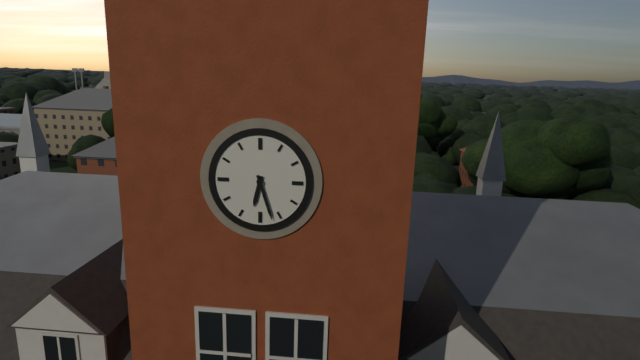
6:27
